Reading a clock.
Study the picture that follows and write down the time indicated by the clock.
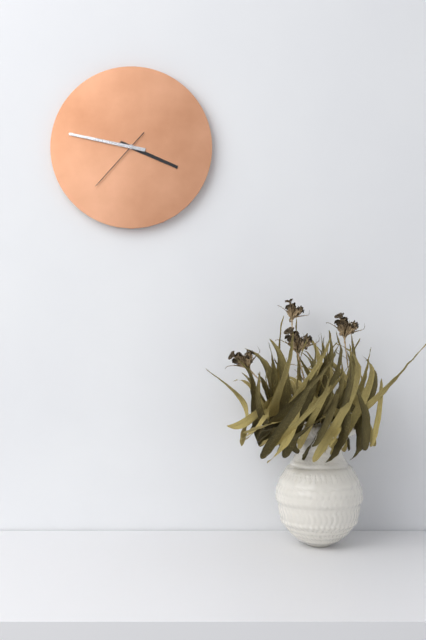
3:47:37
